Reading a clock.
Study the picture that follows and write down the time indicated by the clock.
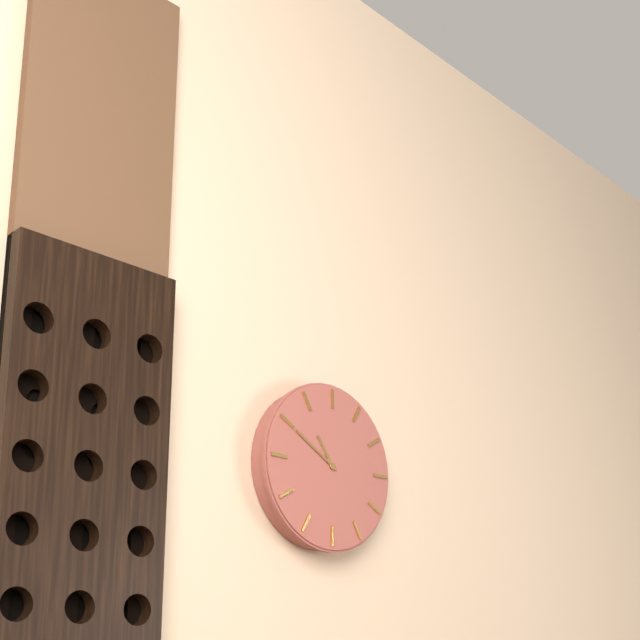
10:50
